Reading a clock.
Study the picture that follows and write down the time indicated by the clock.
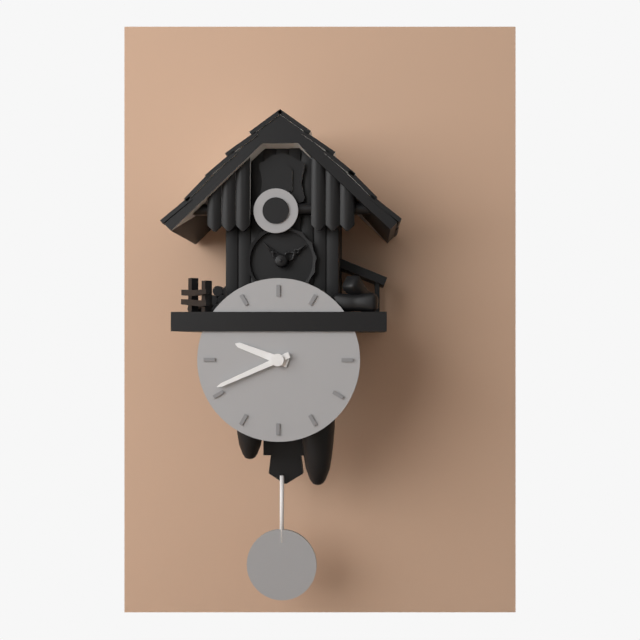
9:41
